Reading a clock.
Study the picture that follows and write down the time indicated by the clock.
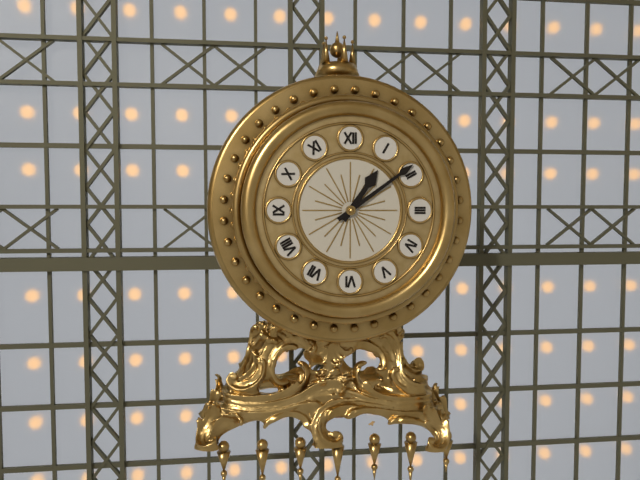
1:09
